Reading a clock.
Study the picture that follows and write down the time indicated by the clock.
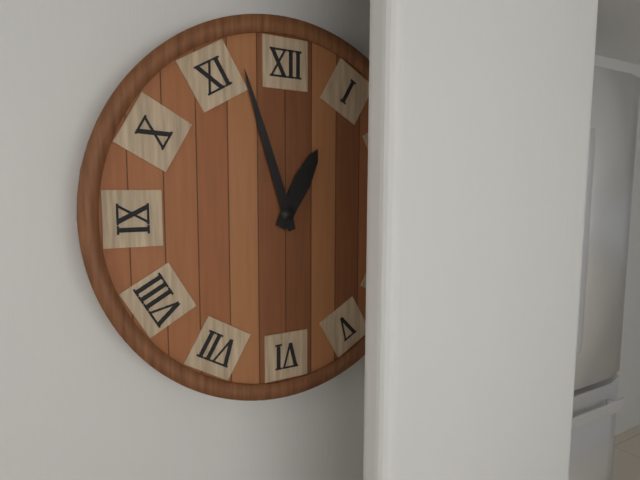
12:57
